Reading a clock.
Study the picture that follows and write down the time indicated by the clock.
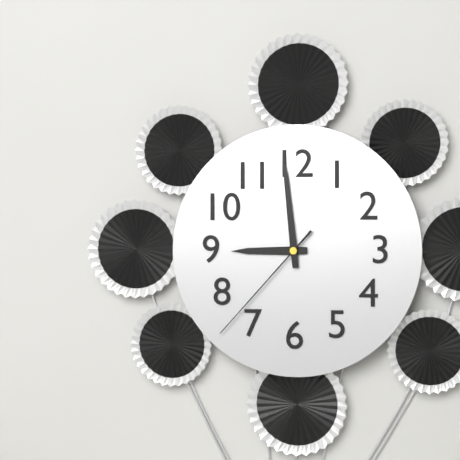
8:59:37
